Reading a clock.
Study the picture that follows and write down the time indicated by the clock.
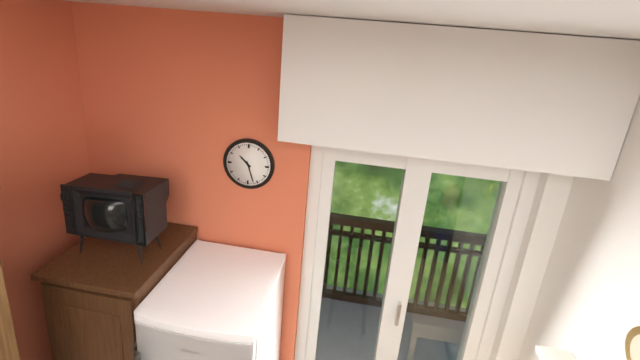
10:27
